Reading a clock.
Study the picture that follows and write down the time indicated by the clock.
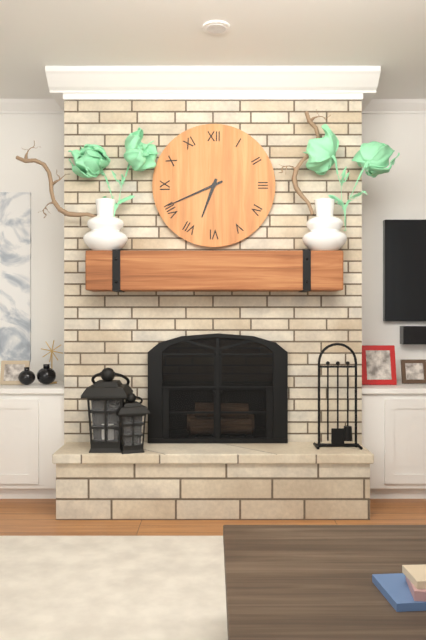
6:41
